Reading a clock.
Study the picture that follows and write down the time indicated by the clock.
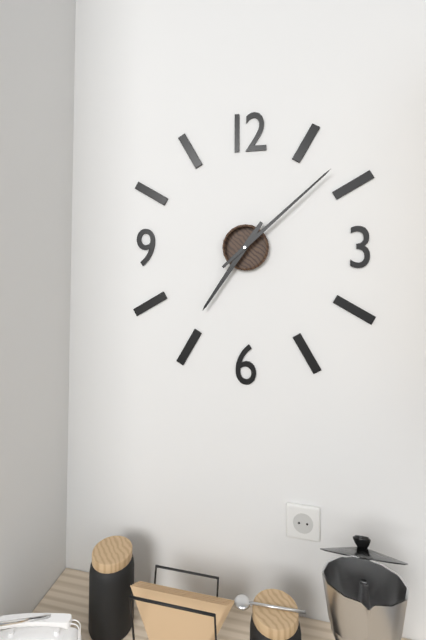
7:08
